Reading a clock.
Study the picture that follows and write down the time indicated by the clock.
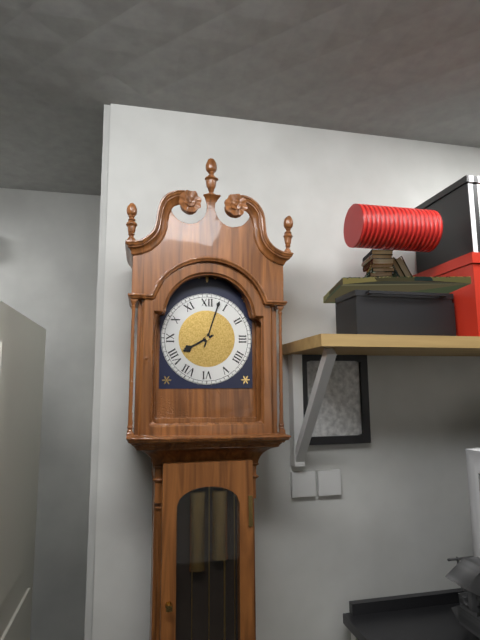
8:03
